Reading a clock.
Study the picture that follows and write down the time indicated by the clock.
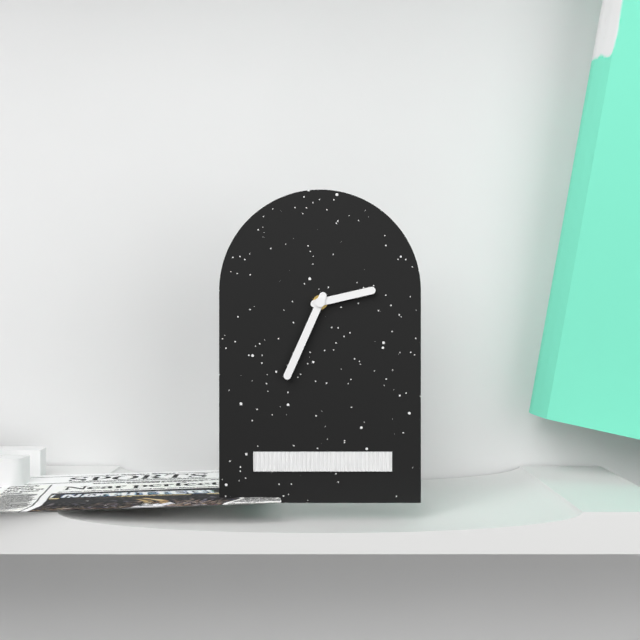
2:34
